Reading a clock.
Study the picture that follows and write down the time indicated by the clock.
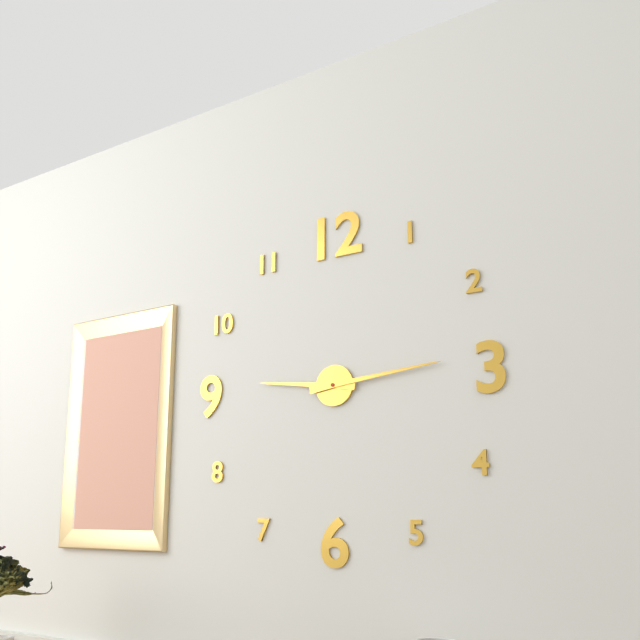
9:14
